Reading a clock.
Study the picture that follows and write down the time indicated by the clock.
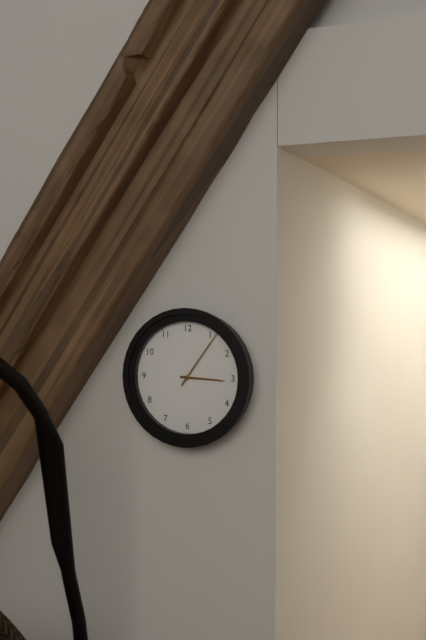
3:06
